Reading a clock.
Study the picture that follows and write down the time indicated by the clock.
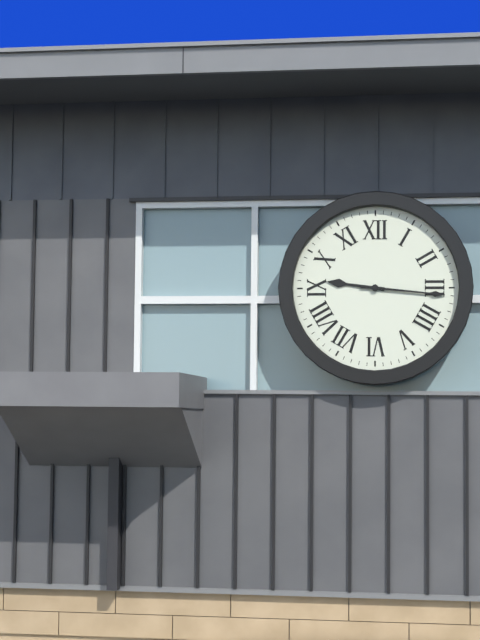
9:16
